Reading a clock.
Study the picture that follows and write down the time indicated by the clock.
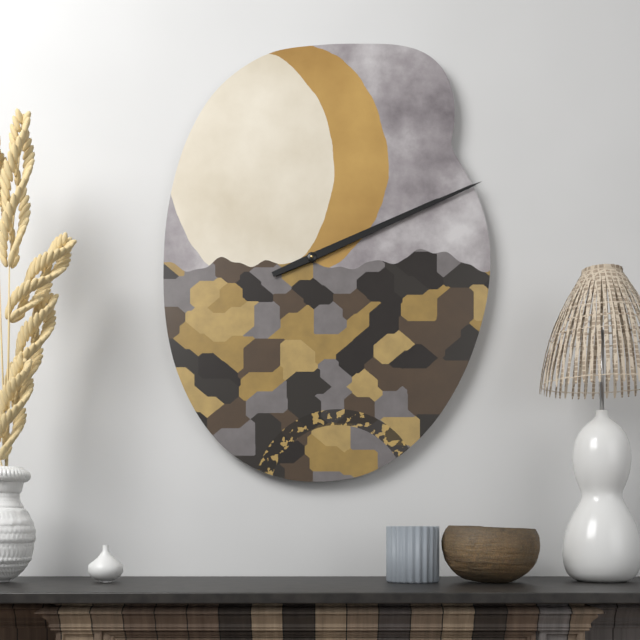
2:11
